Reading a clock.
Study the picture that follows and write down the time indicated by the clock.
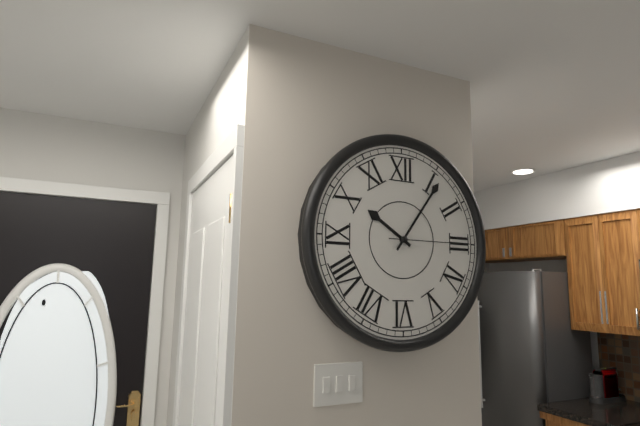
10:06:15
